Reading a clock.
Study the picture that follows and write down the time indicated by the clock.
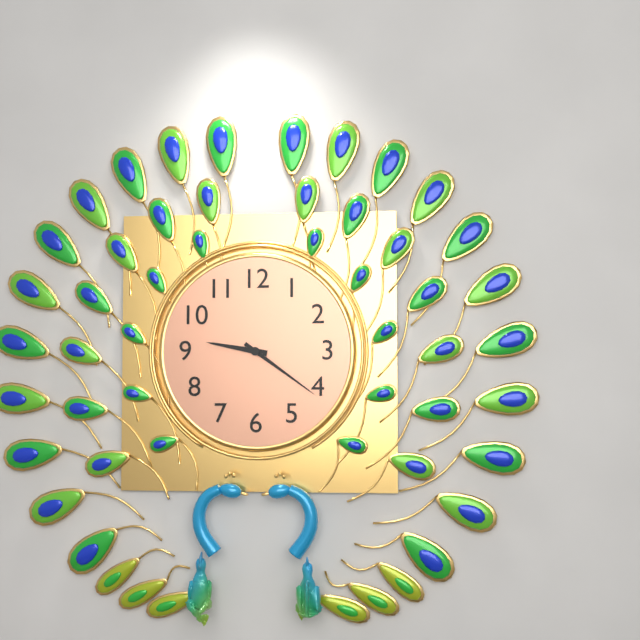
9:21
